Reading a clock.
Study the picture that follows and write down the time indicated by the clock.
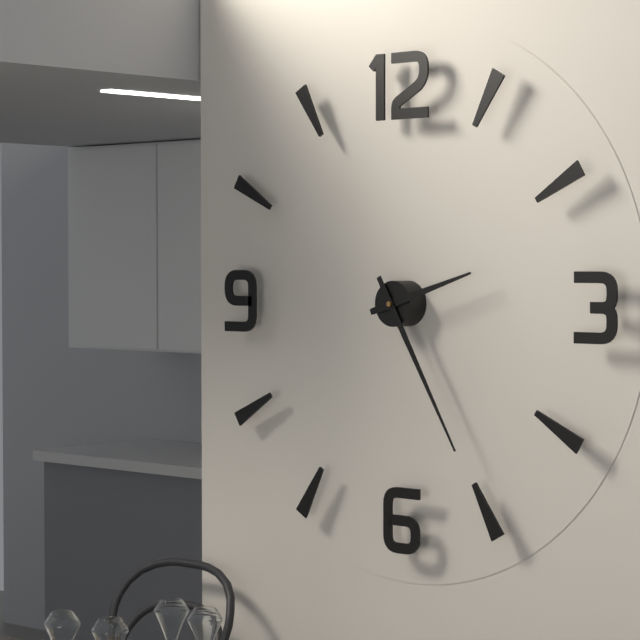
2:25
